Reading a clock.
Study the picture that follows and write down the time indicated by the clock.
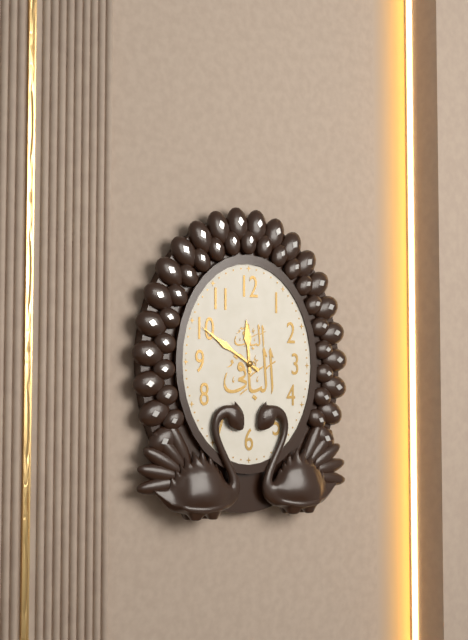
11:50
